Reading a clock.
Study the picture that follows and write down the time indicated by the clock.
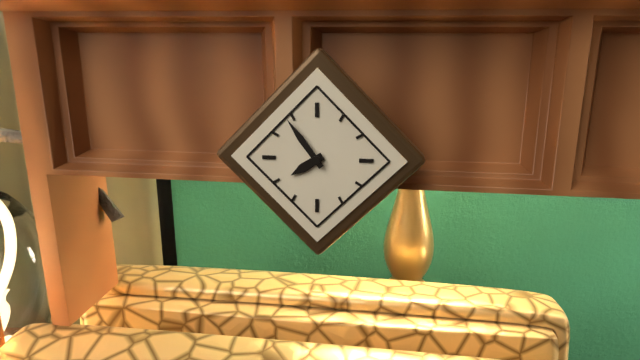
7:54
